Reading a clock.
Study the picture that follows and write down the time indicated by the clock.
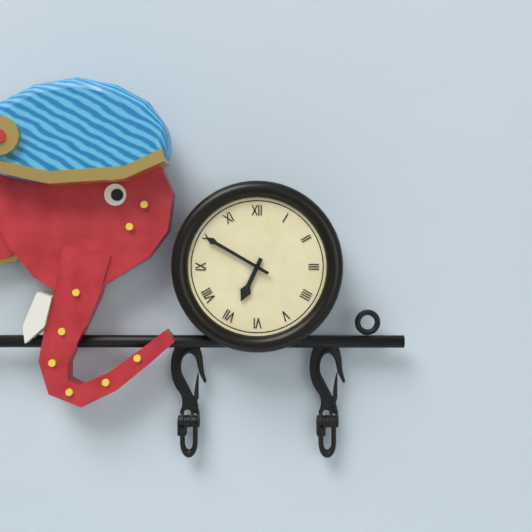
6:50
